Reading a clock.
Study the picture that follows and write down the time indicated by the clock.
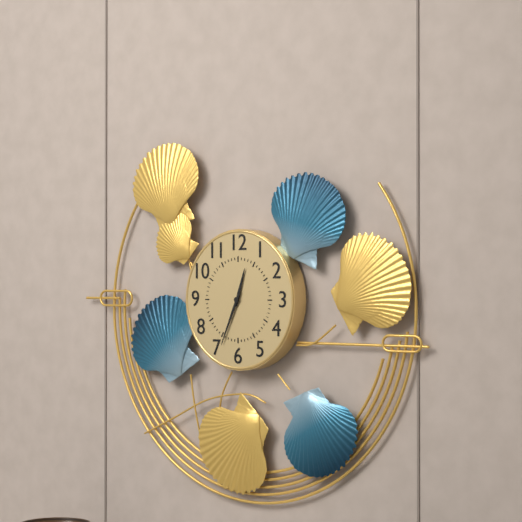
12:34
